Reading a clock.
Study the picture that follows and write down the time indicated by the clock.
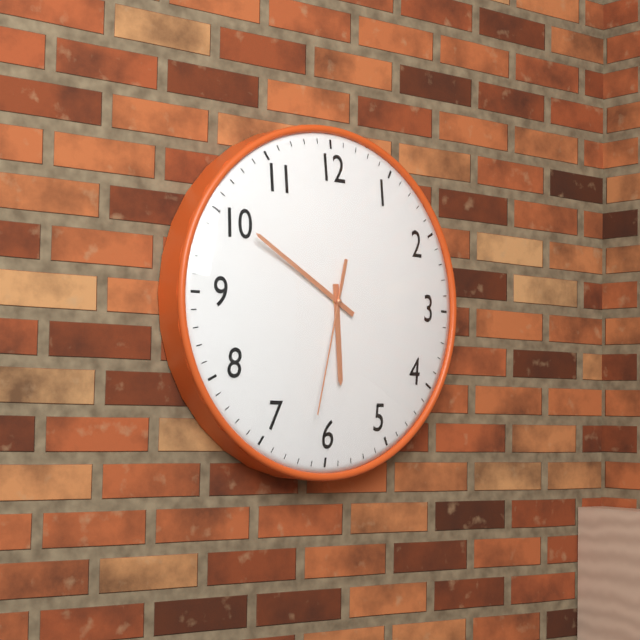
5:50:32
